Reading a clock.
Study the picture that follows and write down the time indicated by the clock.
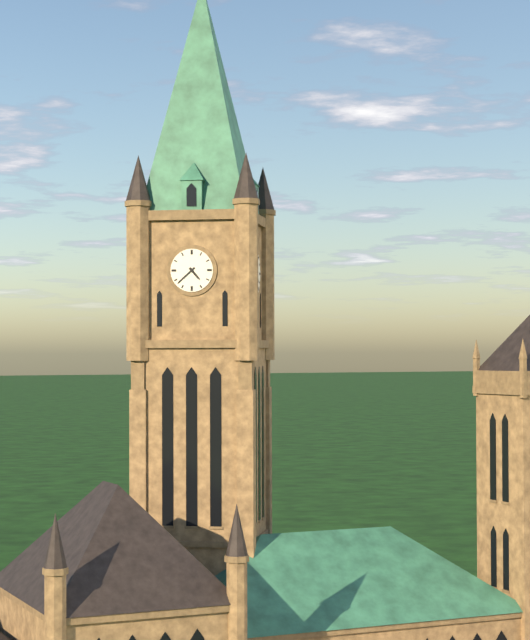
4:38
